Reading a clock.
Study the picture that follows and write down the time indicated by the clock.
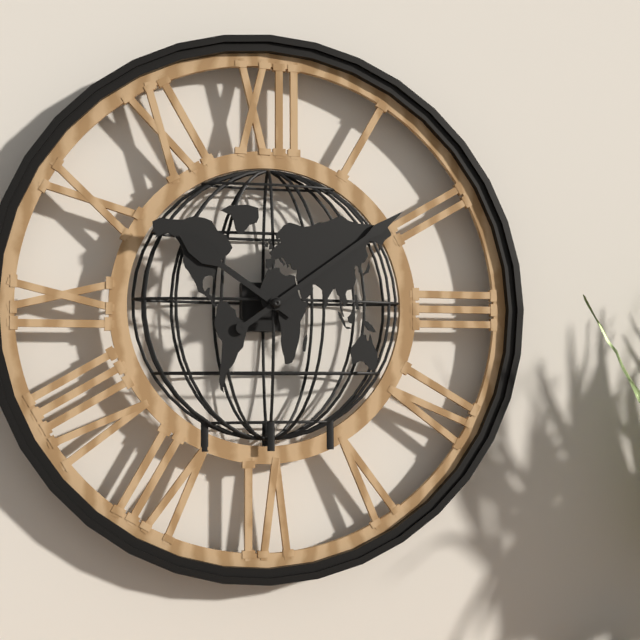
10:09
